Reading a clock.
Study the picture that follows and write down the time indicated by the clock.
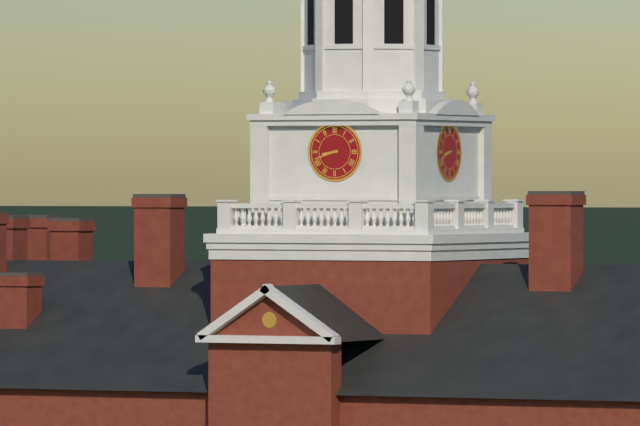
8:42
